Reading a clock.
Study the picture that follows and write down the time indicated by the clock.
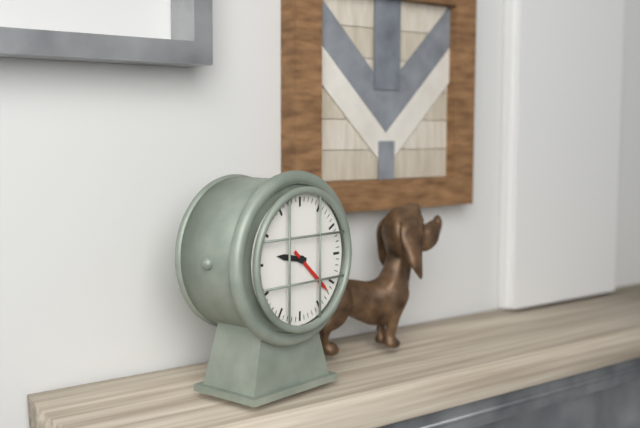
9:22
